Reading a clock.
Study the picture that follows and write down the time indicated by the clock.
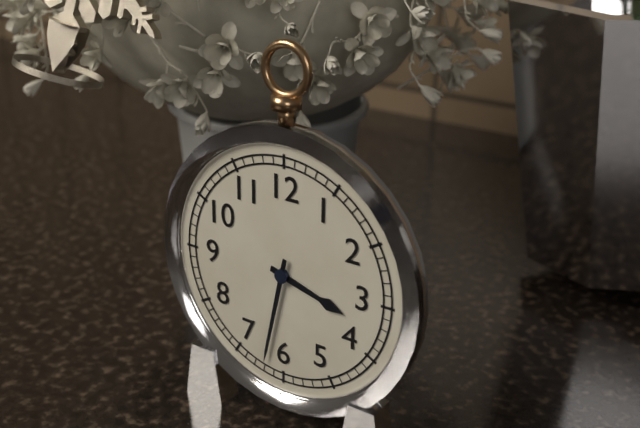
3:32
